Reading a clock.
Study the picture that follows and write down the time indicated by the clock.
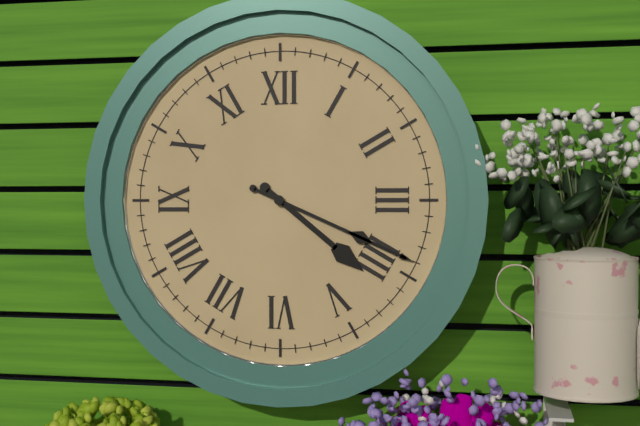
4:19
